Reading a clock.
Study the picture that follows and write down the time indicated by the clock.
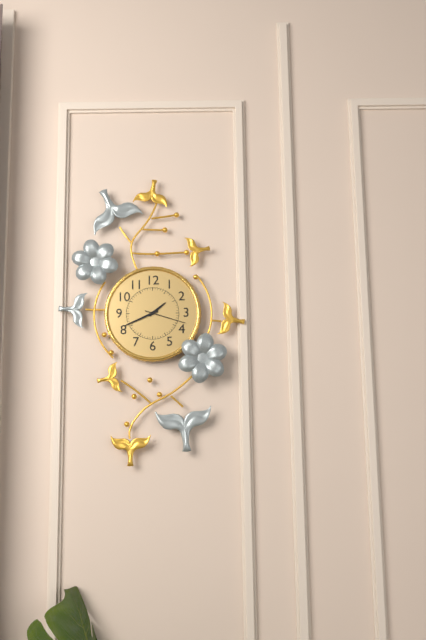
1:41
